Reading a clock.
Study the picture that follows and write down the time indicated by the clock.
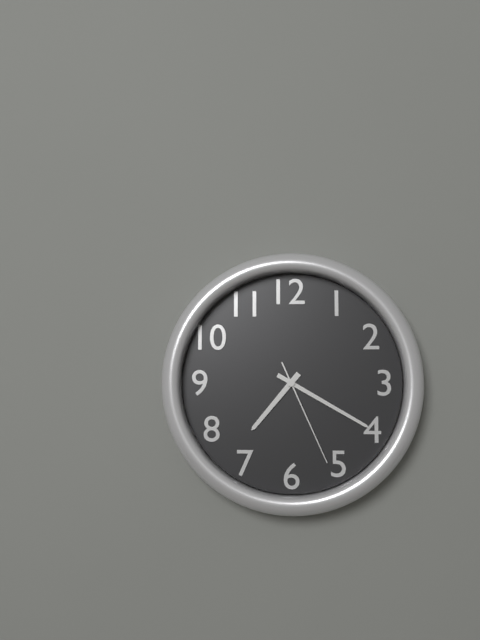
7:20:26
